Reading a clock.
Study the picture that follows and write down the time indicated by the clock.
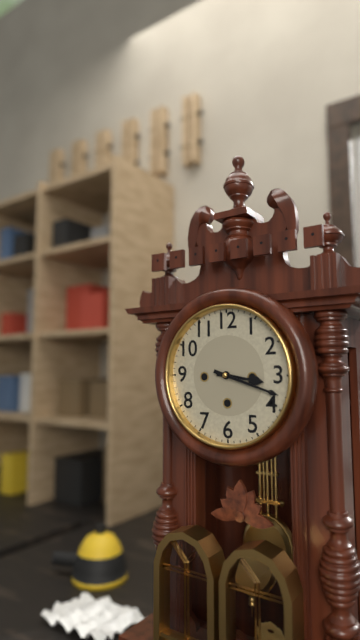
3:18
